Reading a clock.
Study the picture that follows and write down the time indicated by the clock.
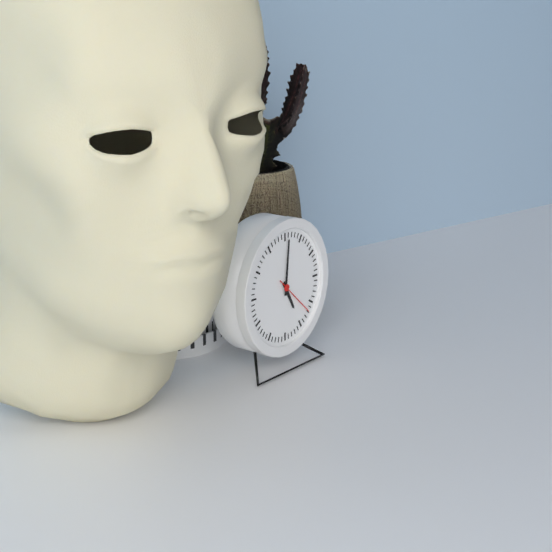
5:01
